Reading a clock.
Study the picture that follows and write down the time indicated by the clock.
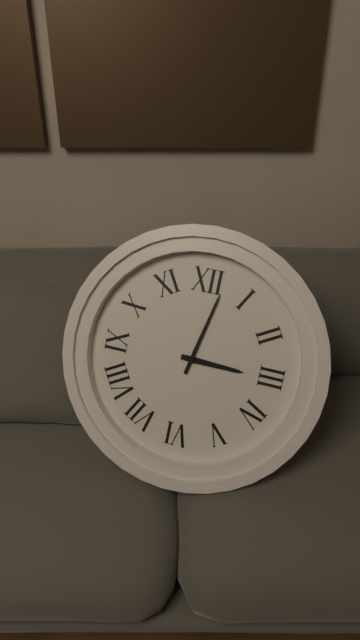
3:02
